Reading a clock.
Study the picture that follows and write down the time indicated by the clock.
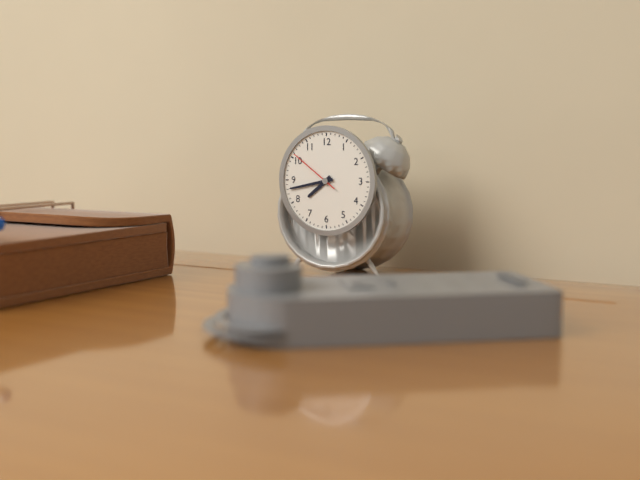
7:43:51
